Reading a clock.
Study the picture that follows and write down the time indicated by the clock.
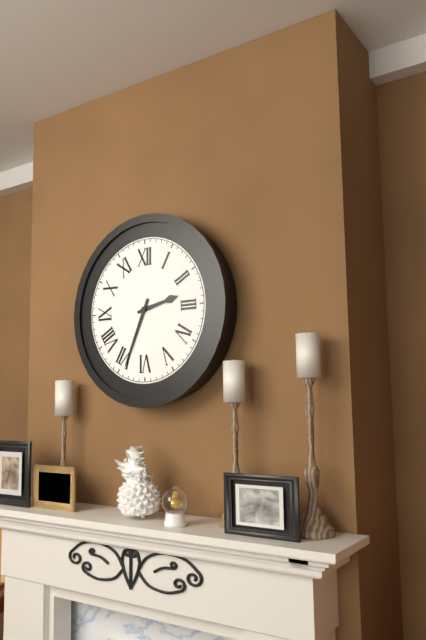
2:34
